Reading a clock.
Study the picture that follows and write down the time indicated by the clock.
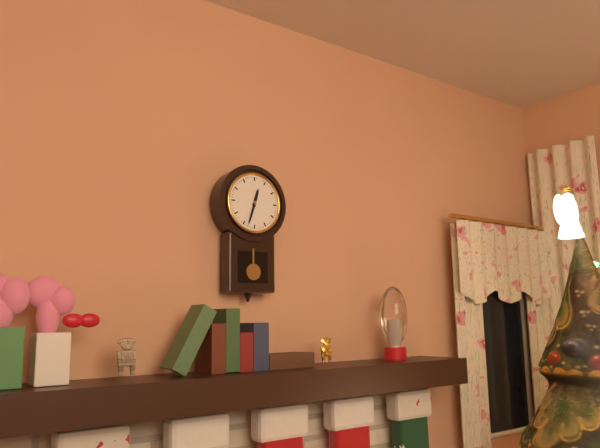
12:33
